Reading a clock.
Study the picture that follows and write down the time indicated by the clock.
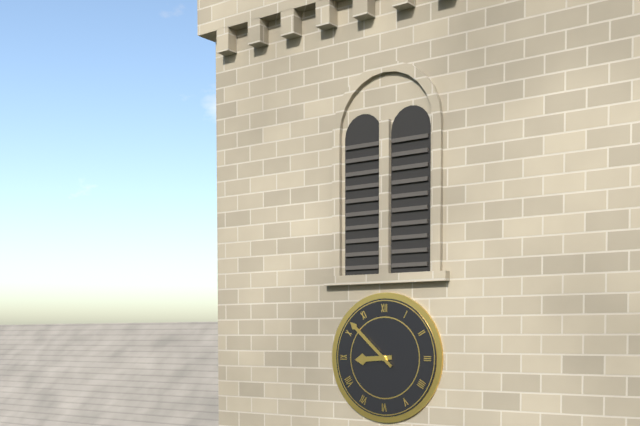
8:52
